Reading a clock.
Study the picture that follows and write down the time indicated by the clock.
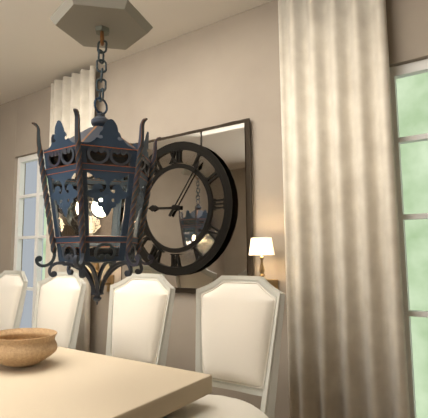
9:06
